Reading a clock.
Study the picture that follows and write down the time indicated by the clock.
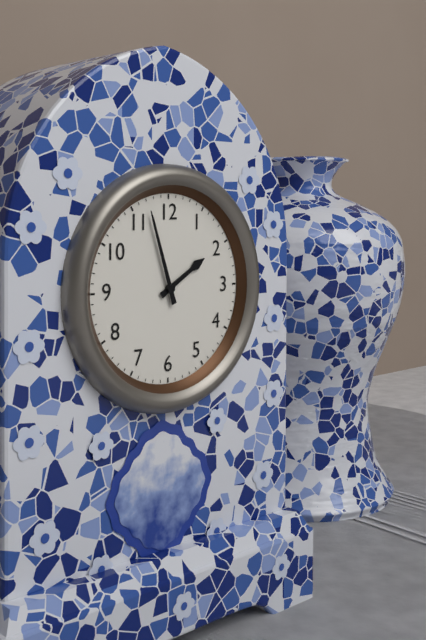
1:57
